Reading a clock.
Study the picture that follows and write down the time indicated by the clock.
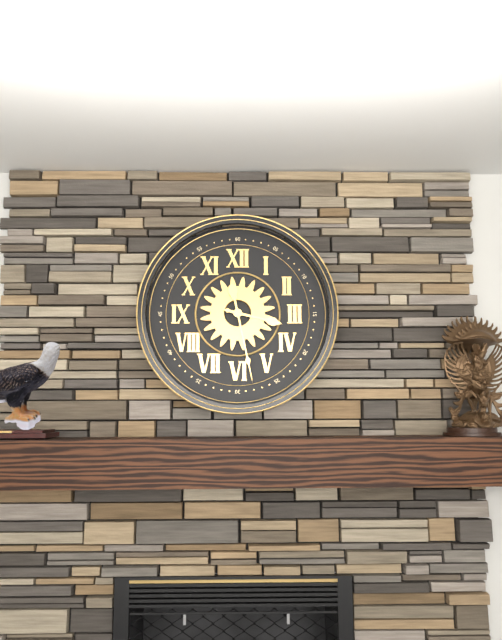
3:28
